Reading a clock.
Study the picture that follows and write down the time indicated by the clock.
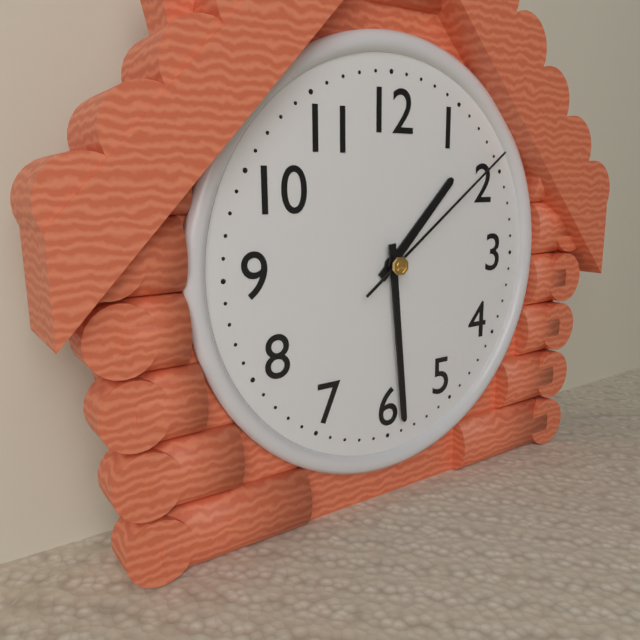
1:29:09
